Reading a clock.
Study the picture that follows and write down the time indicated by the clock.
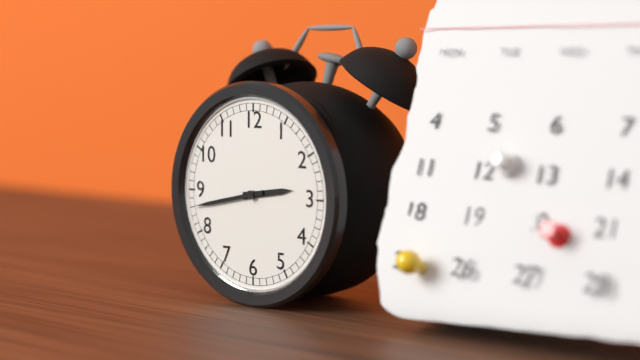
2:43
